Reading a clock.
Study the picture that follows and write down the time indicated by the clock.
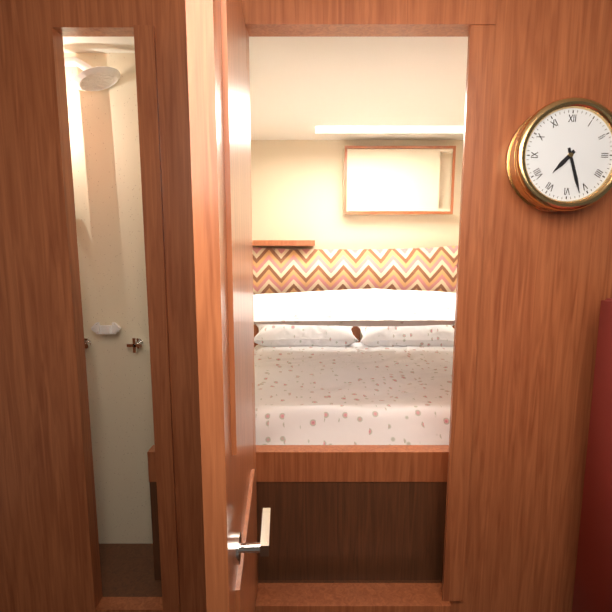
7:27
